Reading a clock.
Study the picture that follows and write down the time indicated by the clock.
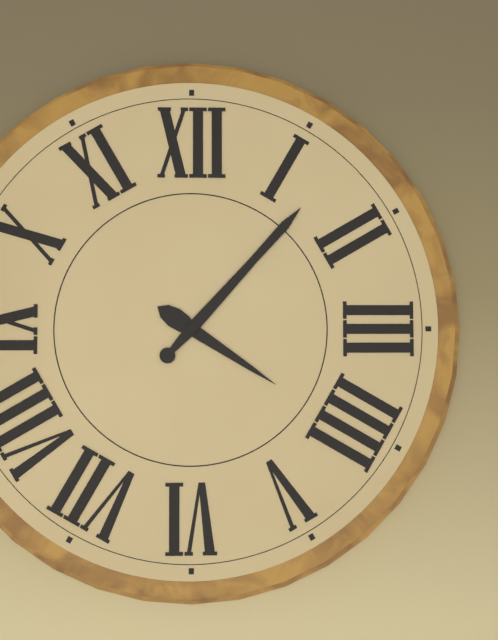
4:07
